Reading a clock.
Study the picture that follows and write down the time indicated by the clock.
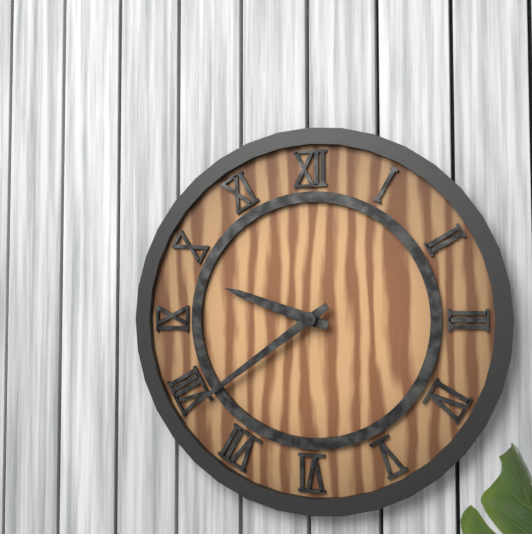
9:39
